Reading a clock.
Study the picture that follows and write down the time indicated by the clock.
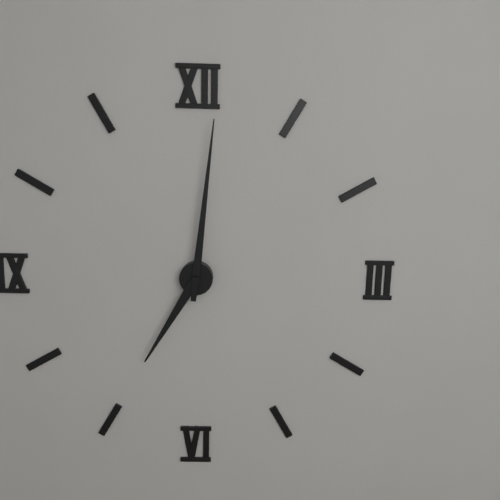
7:01
